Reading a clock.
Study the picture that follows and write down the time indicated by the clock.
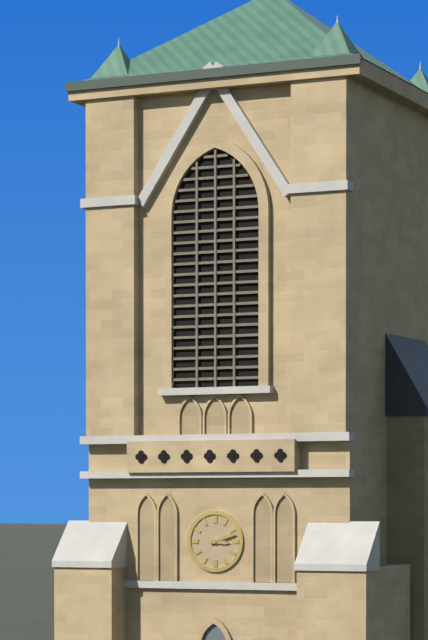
3:12
